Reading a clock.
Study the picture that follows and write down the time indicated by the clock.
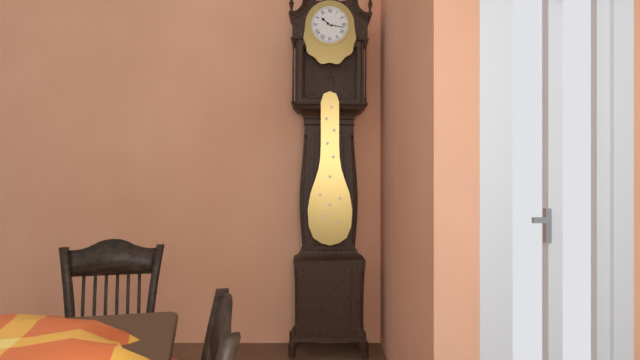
10:17
